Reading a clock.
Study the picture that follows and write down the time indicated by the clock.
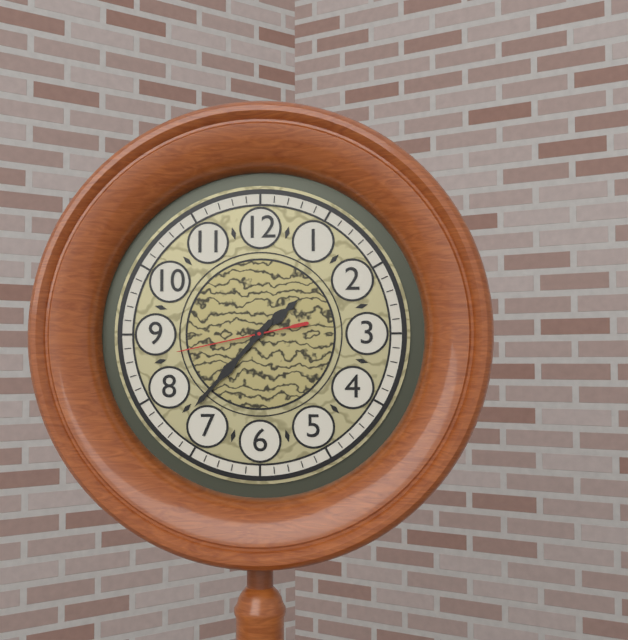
1:37:43
